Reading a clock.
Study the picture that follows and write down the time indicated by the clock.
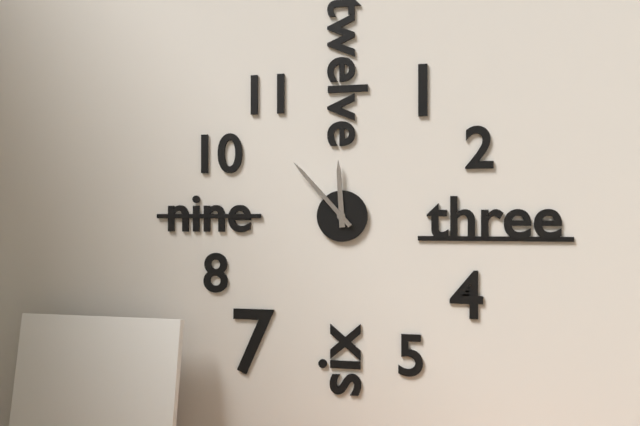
11:53
